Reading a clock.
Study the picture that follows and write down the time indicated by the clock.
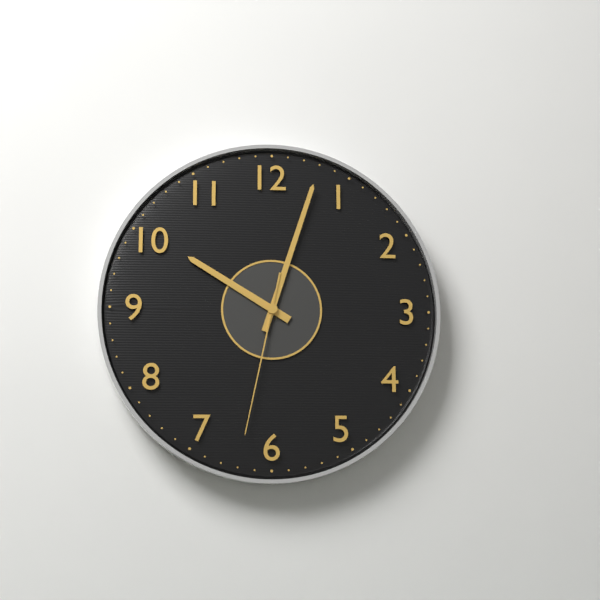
10:03:32
